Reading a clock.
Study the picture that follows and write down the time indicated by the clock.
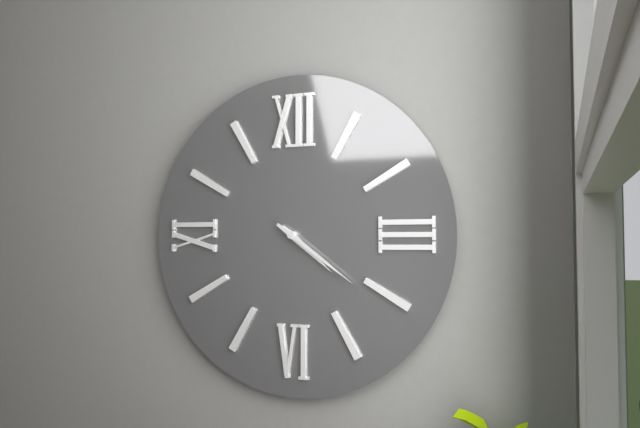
4:21
